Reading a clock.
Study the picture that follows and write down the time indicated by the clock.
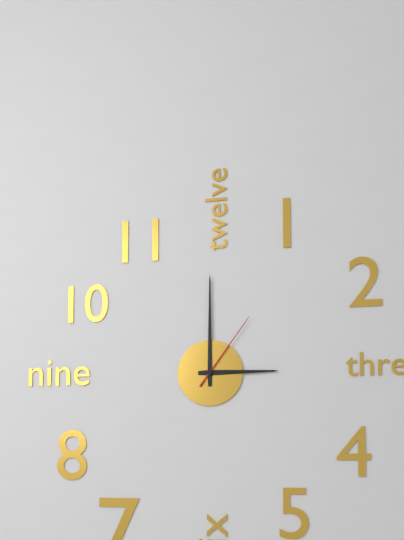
3:00:06
